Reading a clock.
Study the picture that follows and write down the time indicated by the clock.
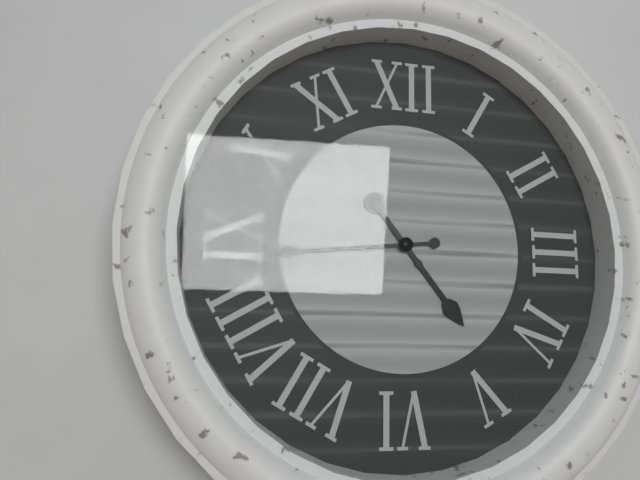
4:44
